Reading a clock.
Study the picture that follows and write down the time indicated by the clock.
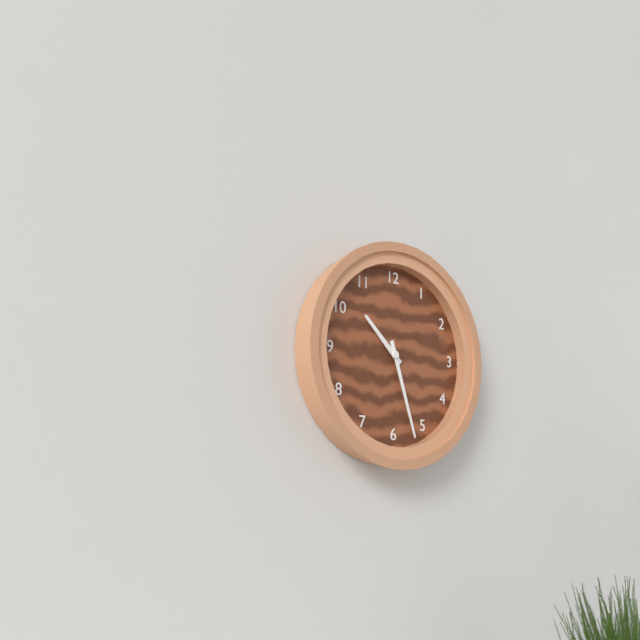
10:27
